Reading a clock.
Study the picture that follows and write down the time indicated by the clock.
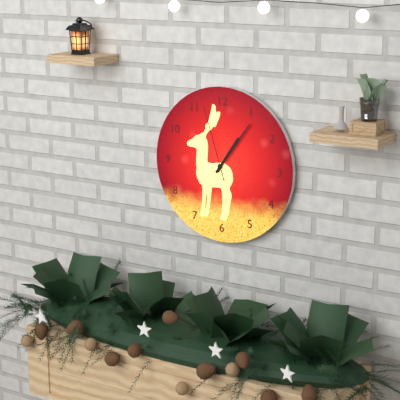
1:06:57
